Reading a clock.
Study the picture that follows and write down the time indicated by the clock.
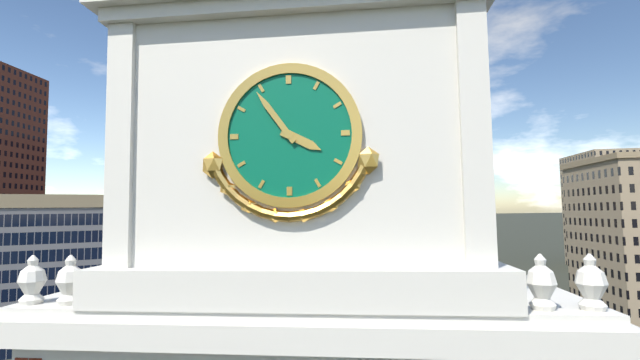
3:54
